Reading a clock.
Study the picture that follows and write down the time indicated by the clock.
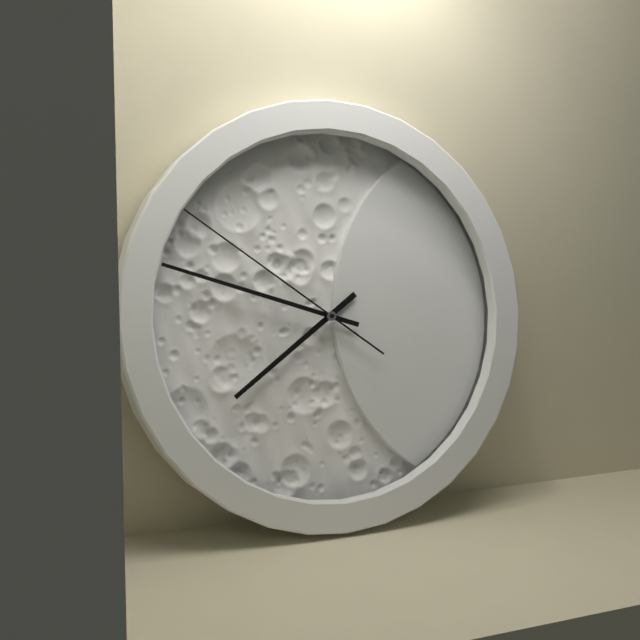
7:48:51
